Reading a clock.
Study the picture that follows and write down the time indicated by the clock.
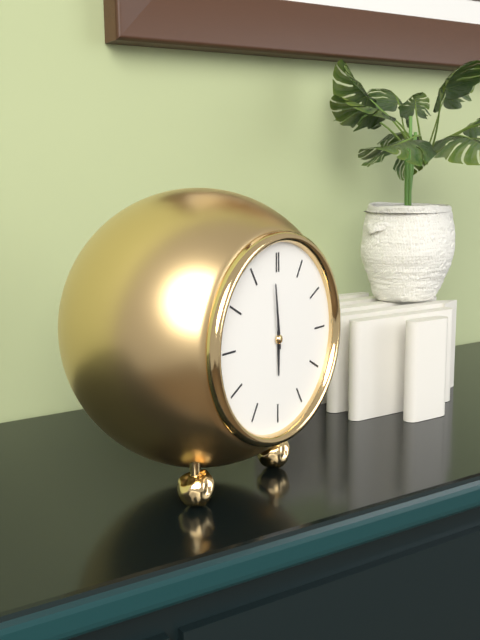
5:59
